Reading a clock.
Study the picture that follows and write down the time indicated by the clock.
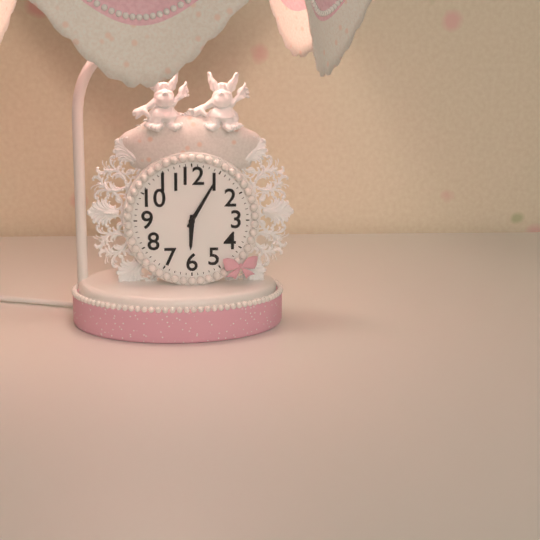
6:05
